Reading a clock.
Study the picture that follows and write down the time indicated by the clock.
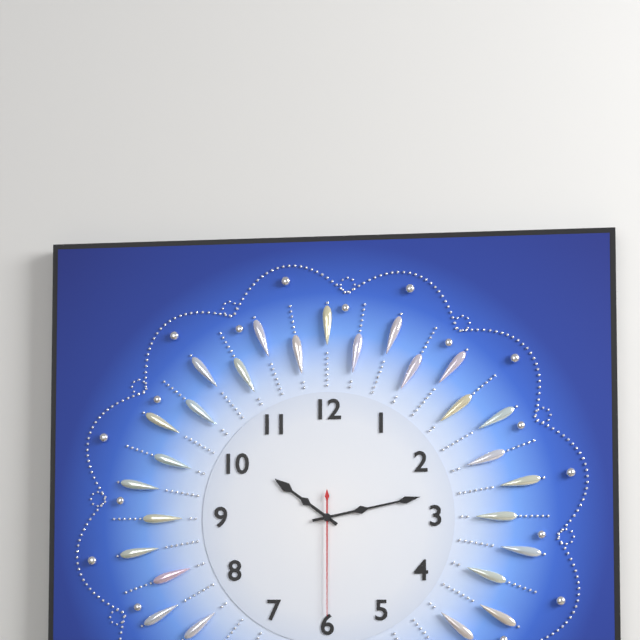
10:13:30
